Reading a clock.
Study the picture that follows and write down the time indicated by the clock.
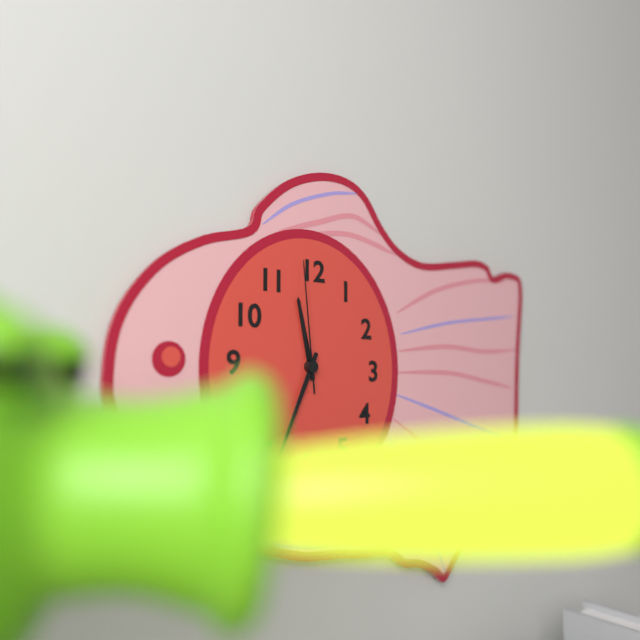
11:34:59
